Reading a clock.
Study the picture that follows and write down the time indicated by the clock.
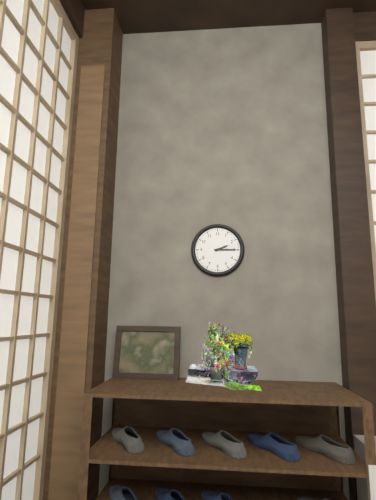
2:15
